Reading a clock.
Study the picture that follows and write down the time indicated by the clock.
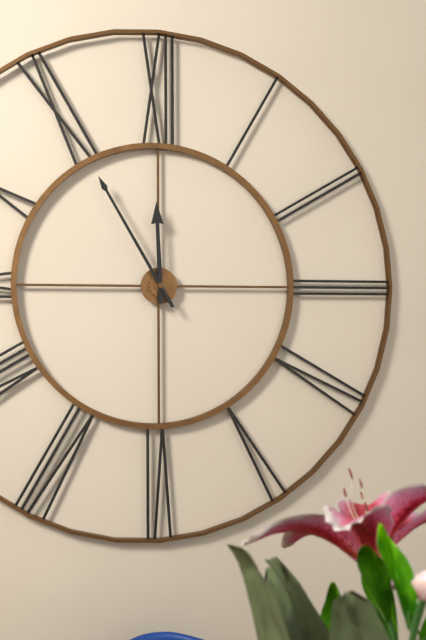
11:55
